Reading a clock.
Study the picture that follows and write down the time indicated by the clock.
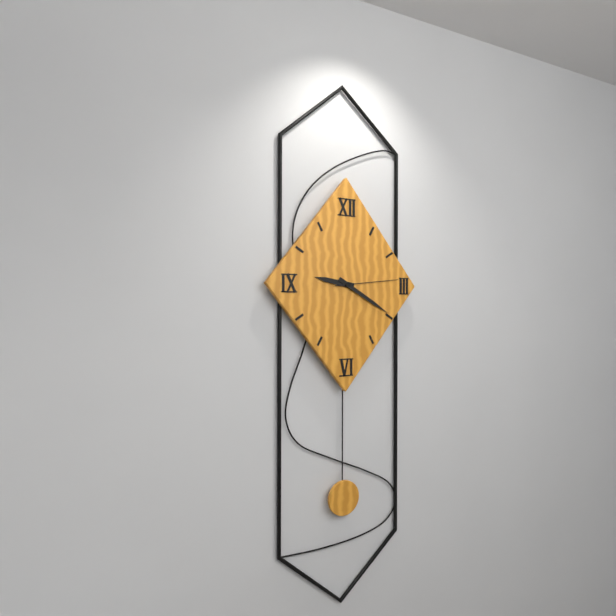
9:20:14
